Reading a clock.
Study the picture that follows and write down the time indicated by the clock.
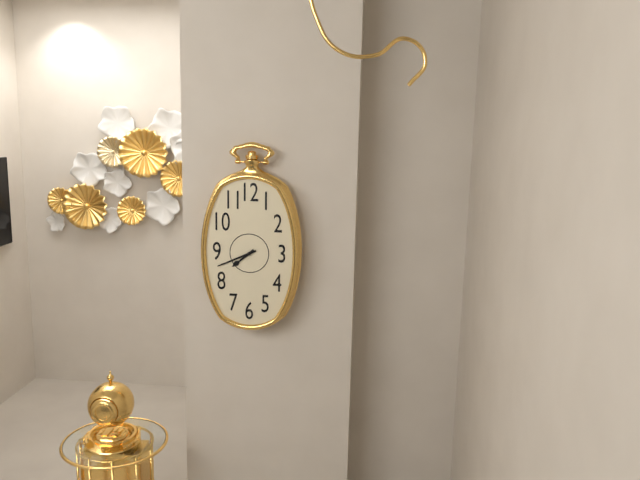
7:41
